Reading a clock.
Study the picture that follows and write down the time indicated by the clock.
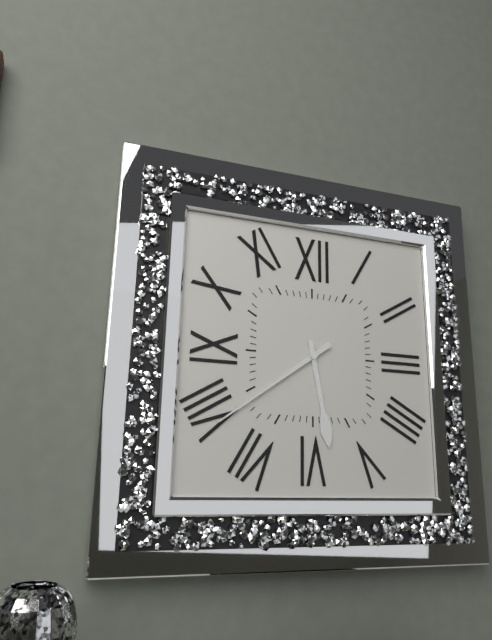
5:39
